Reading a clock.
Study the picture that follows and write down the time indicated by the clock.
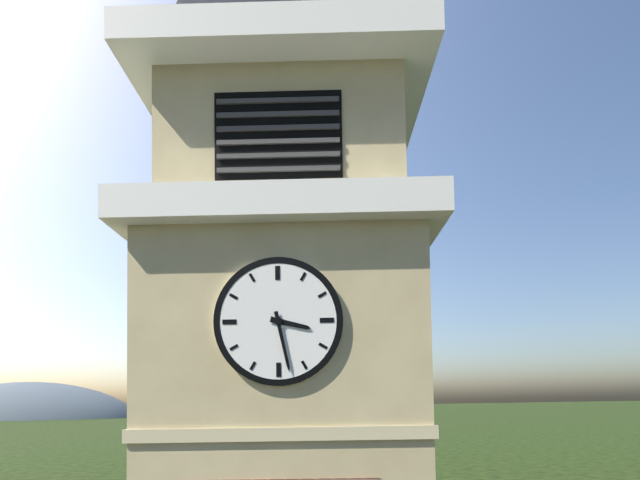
3:28
